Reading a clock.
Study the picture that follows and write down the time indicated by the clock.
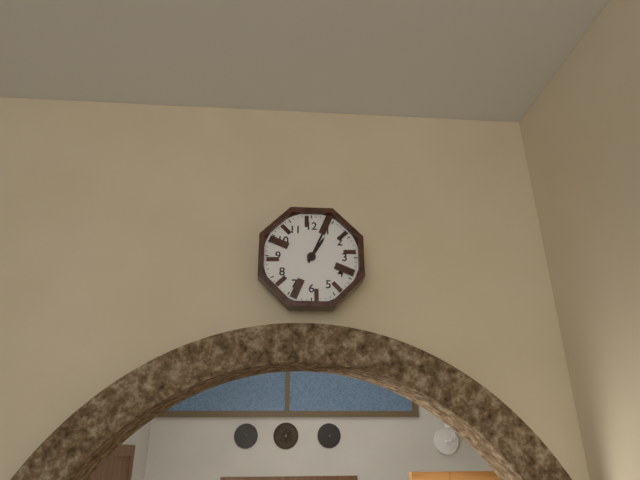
1:04
